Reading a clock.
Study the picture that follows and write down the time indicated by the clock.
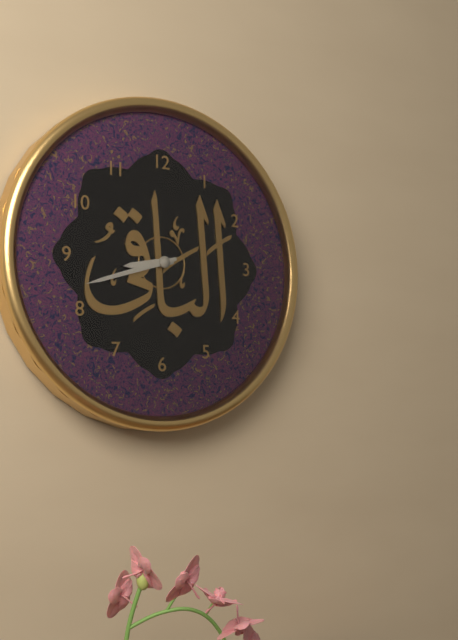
8:42
